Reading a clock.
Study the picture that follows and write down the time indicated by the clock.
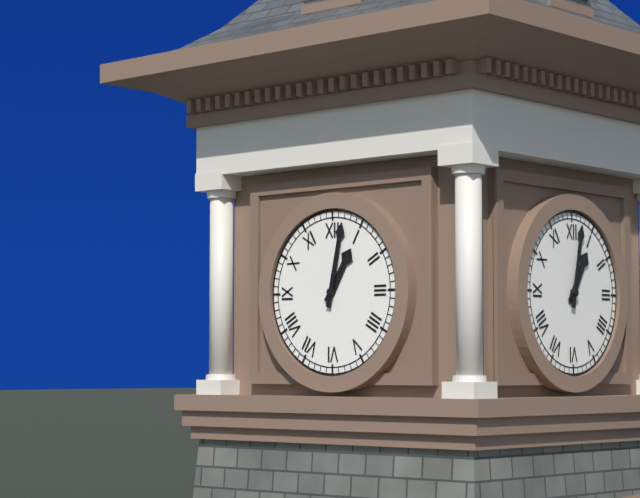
1:02
